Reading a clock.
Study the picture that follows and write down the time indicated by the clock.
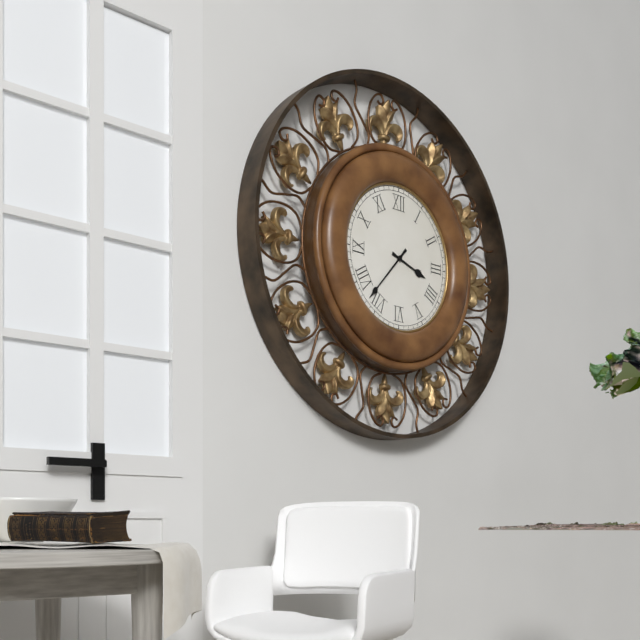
3:37
